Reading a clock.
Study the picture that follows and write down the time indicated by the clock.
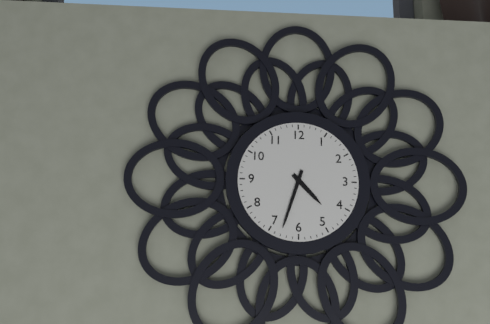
4:33
